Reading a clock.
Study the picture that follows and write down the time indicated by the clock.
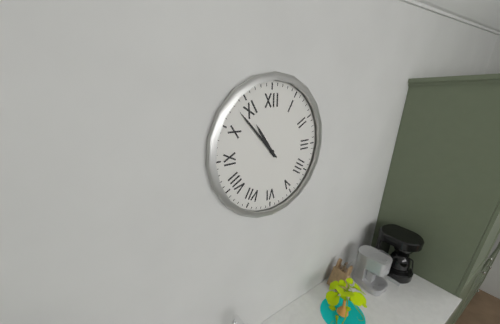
10:53
